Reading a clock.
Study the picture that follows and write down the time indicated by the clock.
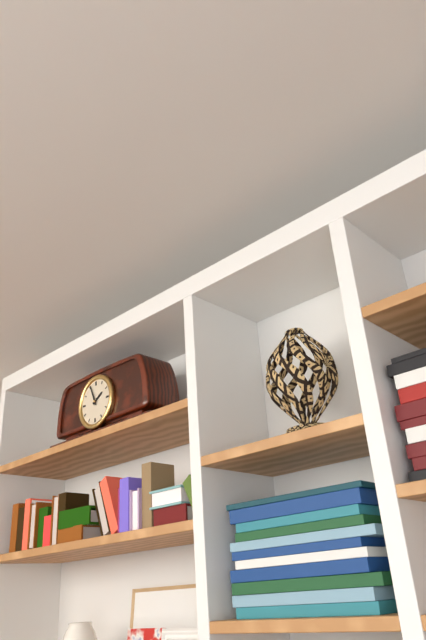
1:56
